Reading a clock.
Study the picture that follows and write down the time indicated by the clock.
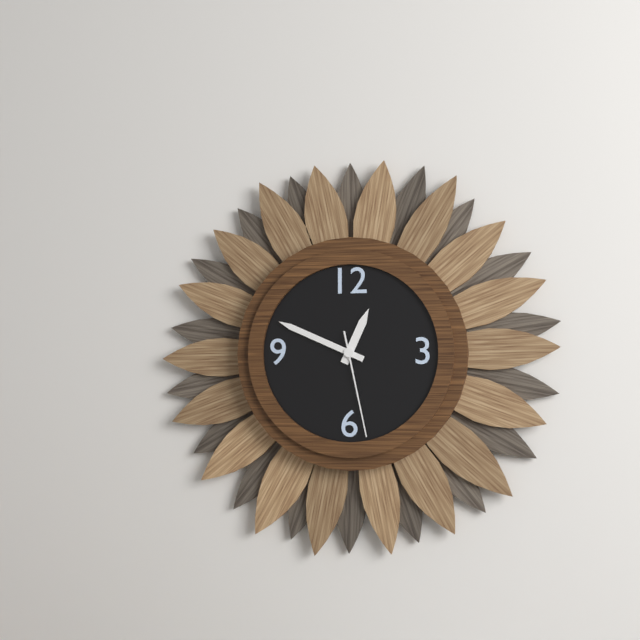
12:49:28
